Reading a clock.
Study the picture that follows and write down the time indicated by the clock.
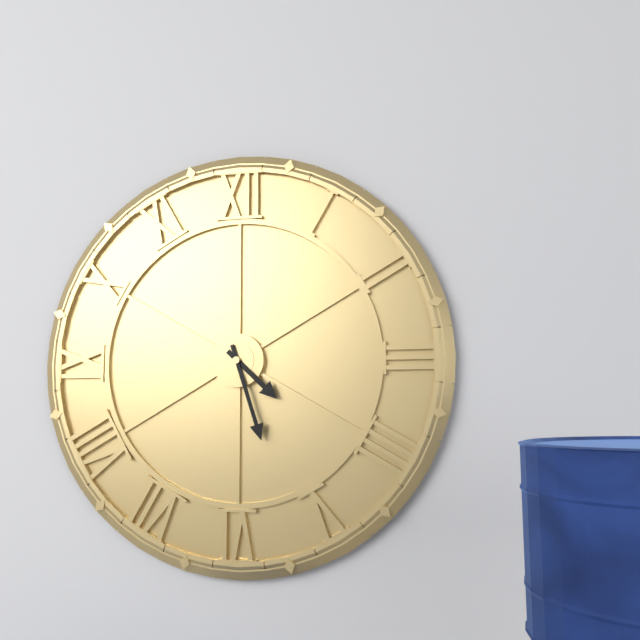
4:27
